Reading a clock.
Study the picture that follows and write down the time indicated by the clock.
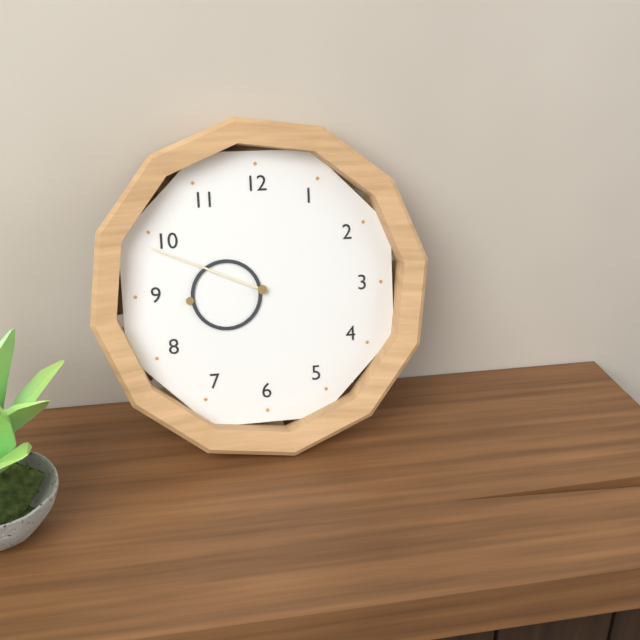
8:49
